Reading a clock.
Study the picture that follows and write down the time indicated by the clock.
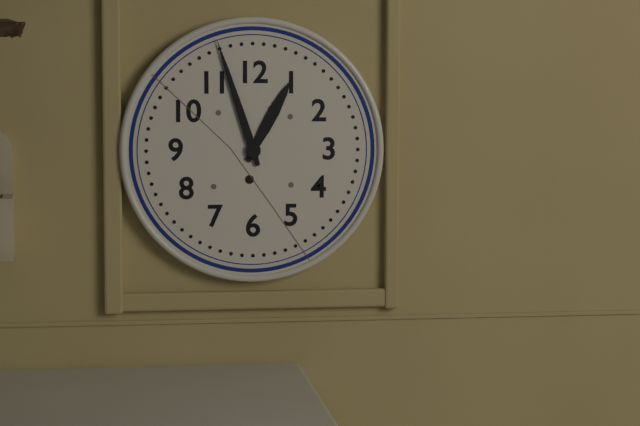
12:57
